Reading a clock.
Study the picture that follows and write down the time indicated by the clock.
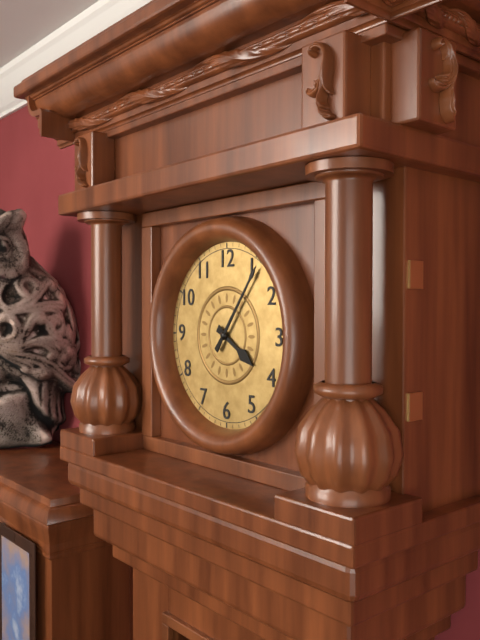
4:06
